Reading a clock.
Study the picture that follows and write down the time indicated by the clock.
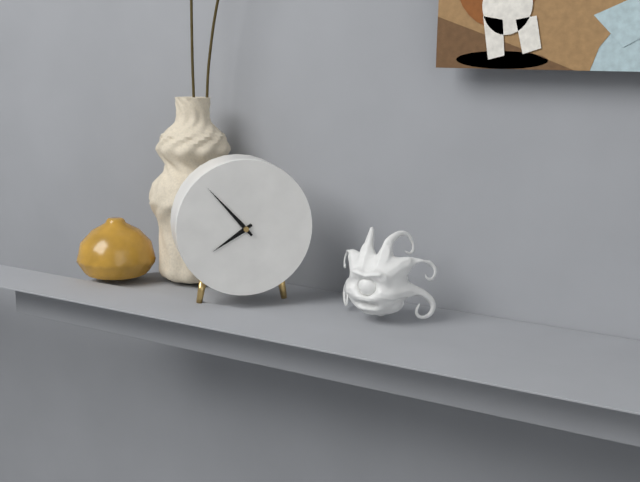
7:53
